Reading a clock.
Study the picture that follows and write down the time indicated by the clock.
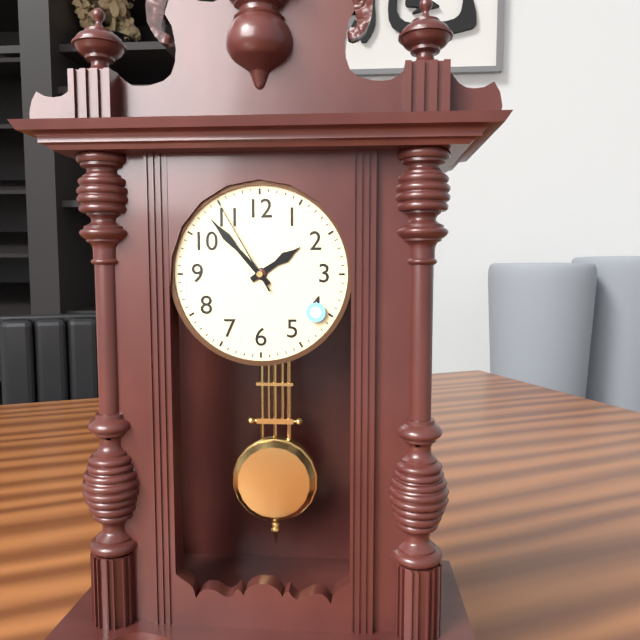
1:53:55
